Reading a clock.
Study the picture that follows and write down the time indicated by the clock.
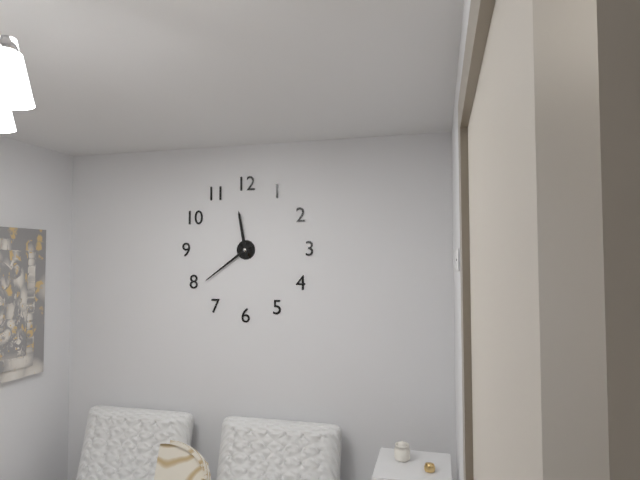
11:39
